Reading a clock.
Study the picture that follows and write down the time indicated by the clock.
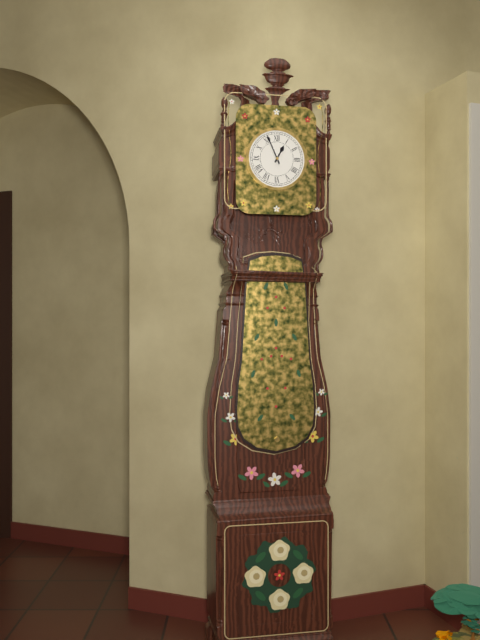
12:56
